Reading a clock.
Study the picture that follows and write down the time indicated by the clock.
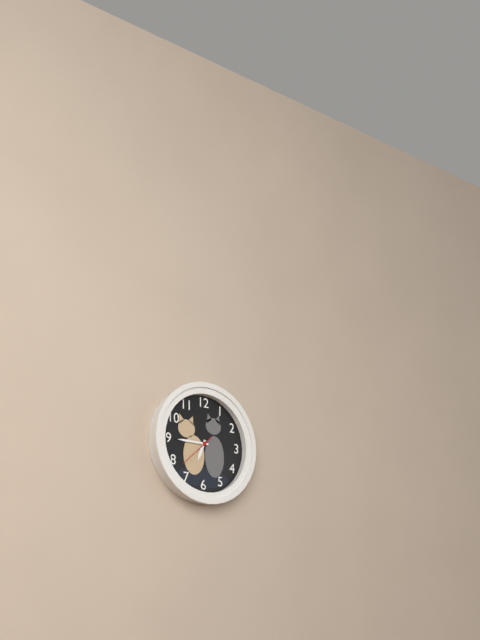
6:45
